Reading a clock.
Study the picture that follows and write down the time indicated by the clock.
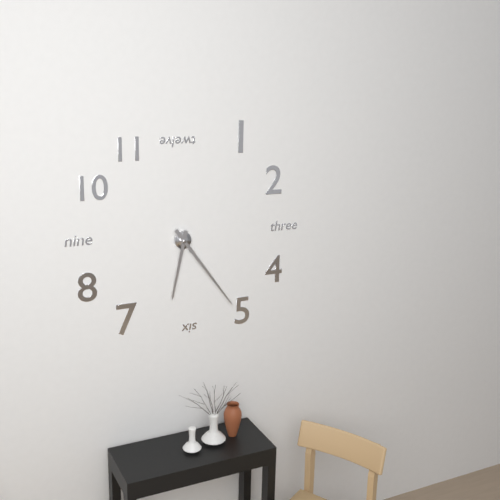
6:24
